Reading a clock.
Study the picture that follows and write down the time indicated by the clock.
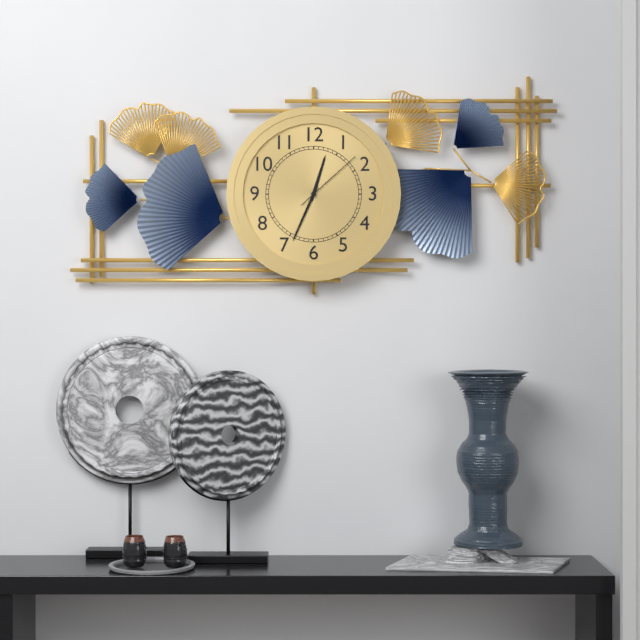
12:34:08
